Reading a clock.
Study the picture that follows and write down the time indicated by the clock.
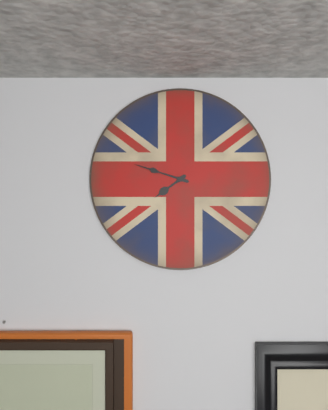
7:48
